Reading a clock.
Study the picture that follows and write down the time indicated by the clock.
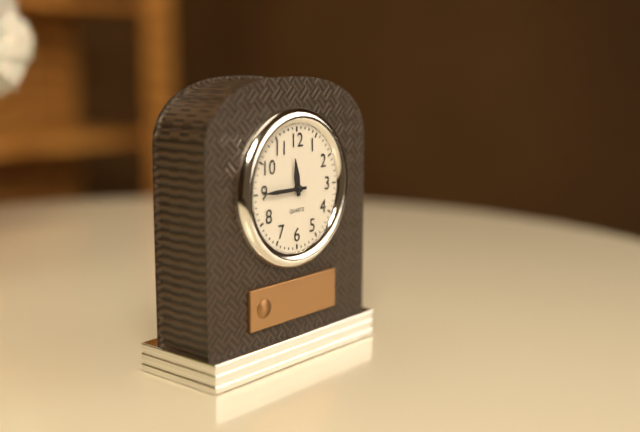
11:45
